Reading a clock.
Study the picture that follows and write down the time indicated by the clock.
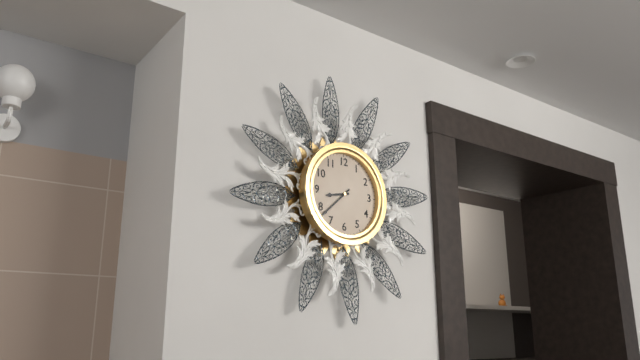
8:38
